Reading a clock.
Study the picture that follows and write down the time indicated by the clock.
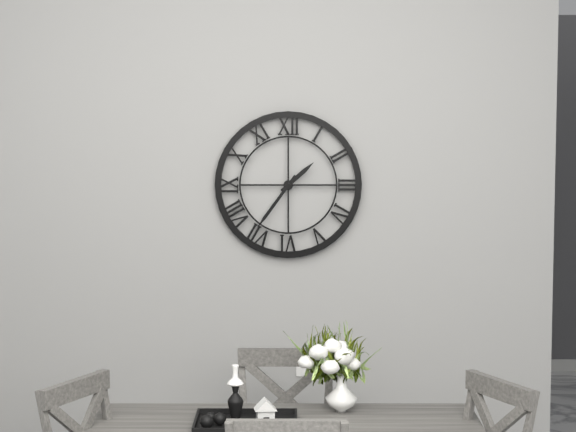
1:36
